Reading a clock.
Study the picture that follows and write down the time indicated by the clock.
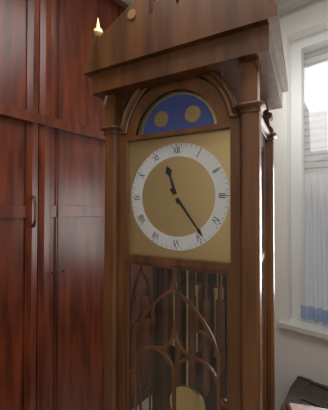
11:24
